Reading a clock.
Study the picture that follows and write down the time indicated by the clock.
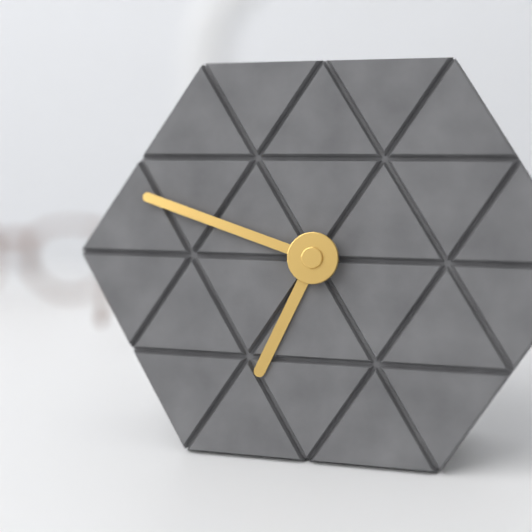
6:48
